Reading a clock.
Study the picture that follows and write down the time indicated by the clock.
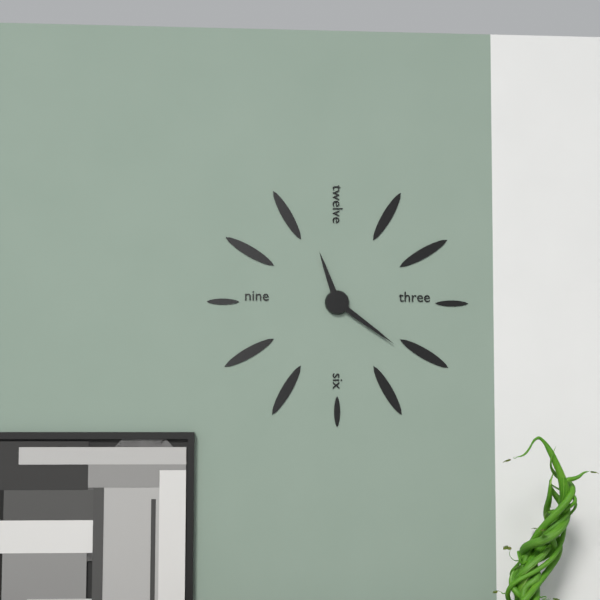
11:21
